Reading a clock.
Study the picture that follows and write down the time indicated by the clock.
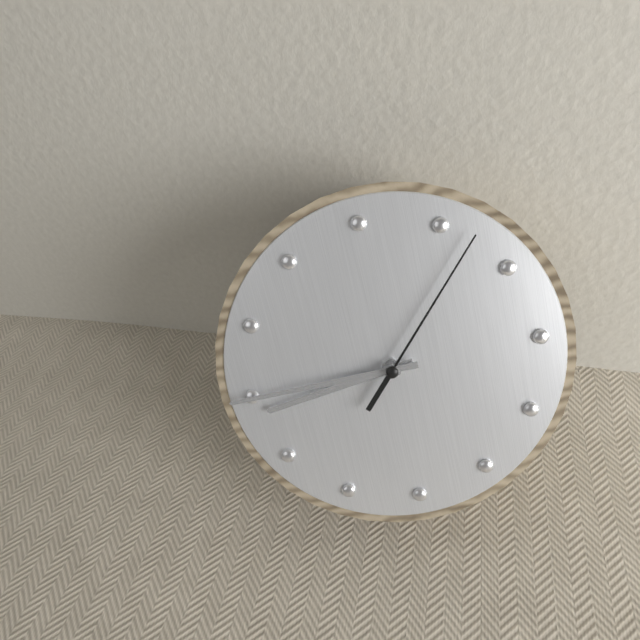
8:45:07
